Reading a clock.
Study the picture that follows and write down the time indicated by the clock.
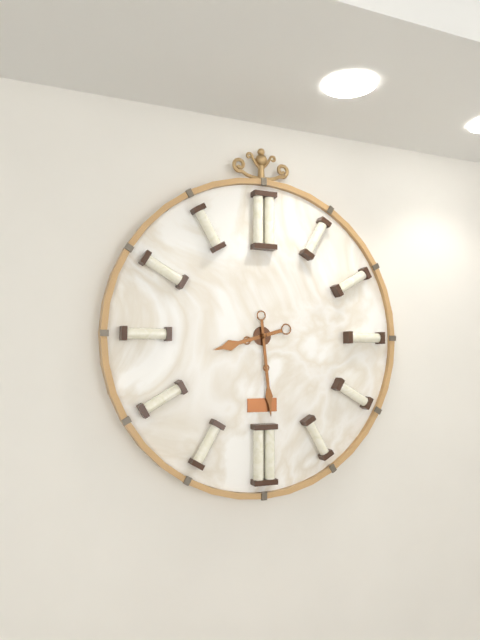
8:29
